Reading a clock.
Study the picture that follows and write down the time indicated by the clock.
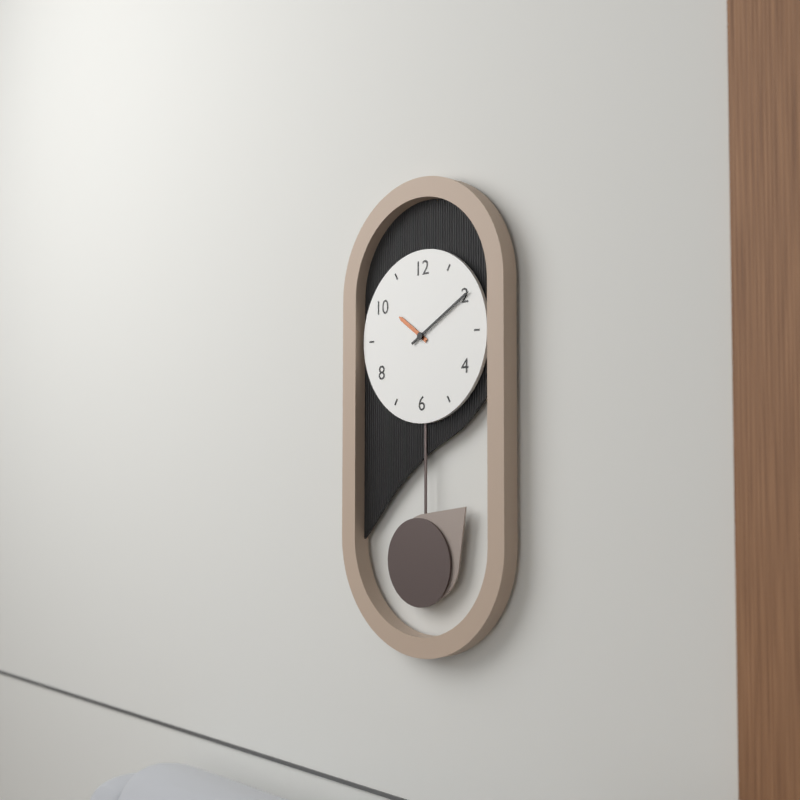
10:10
